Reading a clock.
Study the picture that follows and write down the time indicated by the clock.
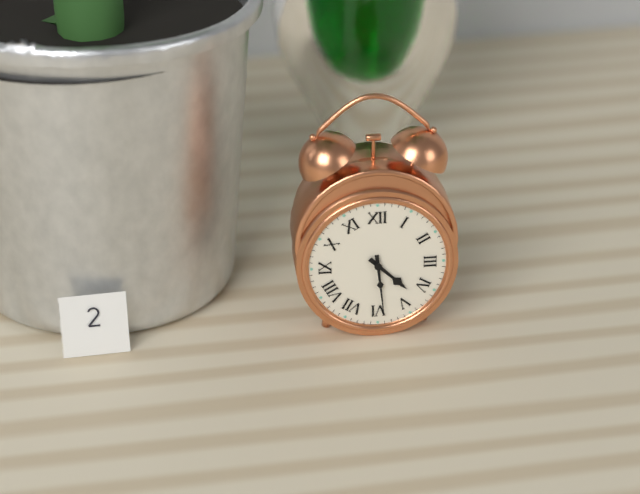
4:29
